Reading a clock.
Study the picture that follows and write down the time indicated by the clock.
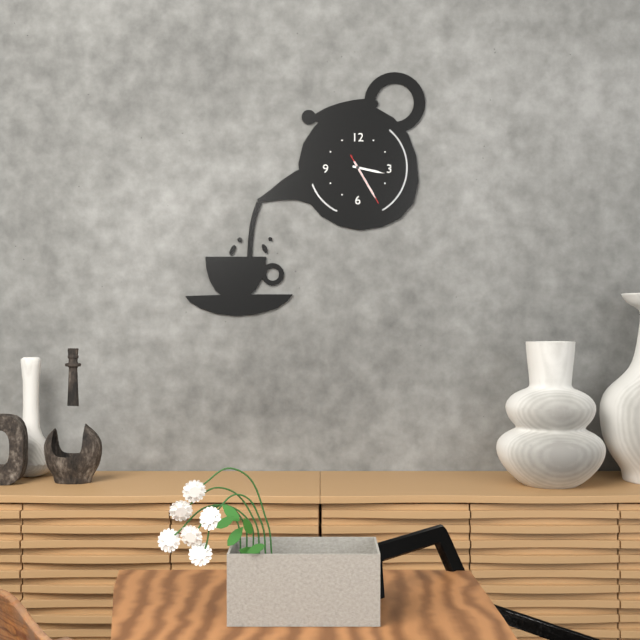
3:25:25
